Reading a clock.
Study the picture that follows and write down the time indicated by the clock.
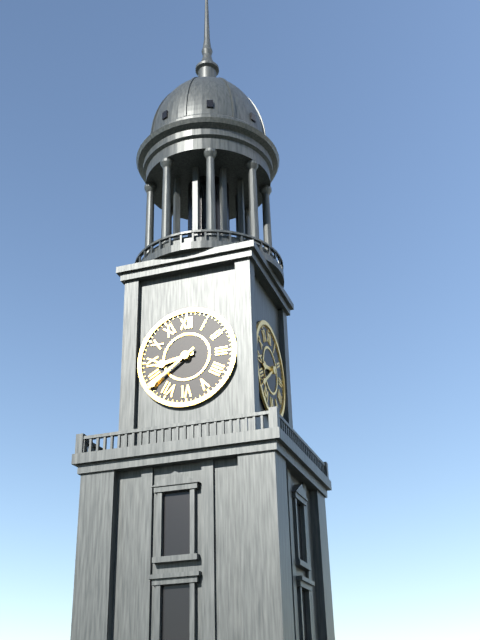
8:39
